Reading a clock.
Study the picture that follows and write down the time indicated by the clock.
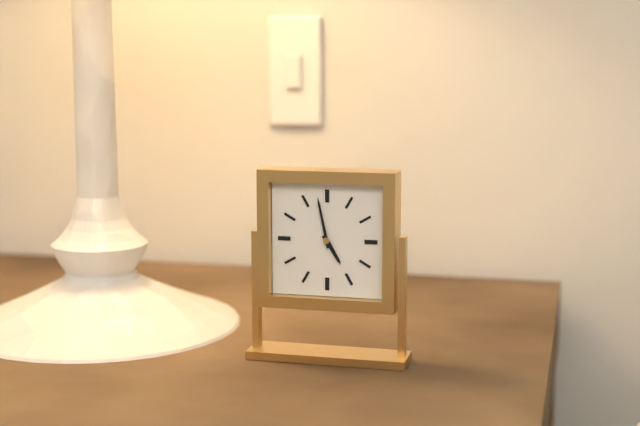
4:58
